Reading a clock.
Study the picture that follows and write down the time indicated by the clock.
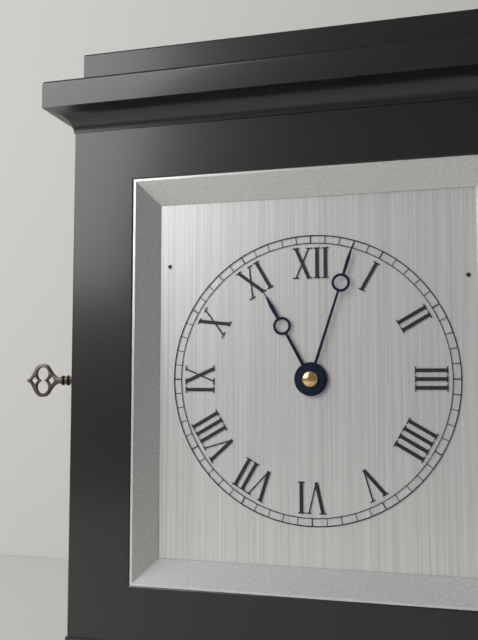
11:03
